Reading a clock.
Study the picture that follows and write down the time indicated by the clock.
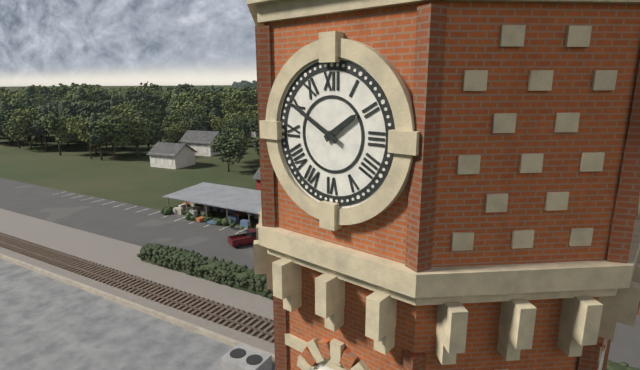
1:50
